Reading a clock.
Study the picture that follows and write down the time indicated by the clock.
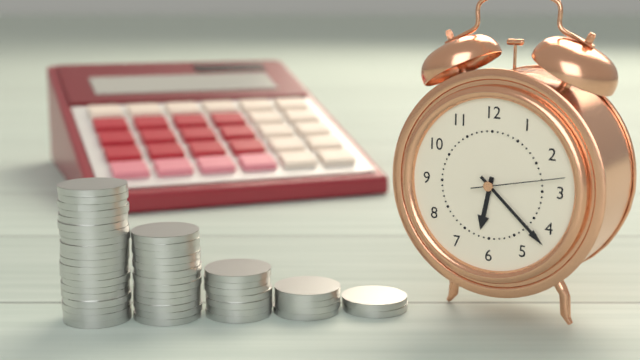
6:22:13
